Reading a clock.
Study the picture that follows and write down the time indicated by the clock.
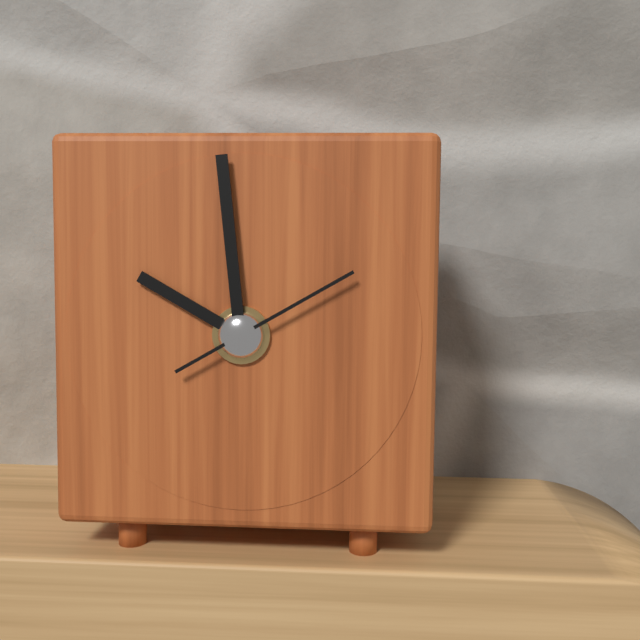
9:59:10
